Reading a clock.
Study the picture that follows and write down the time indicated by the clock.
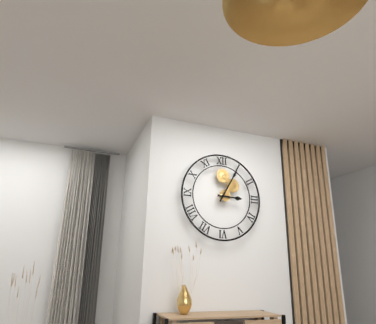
3:05
